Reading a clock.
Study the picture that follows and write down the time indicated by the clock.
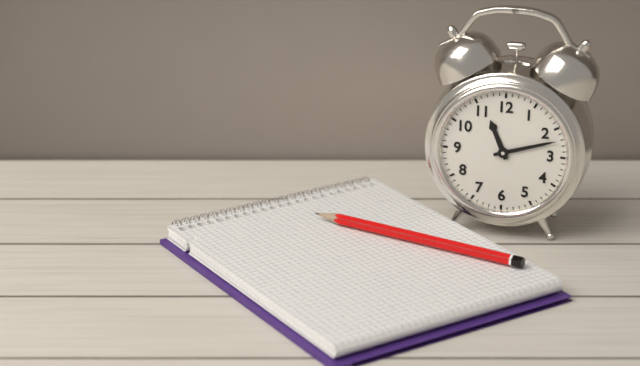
11:12
